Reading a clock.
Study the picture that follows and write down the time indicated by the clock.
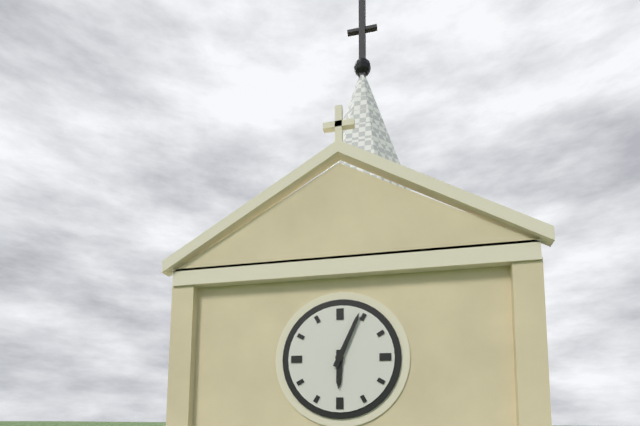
6:04
